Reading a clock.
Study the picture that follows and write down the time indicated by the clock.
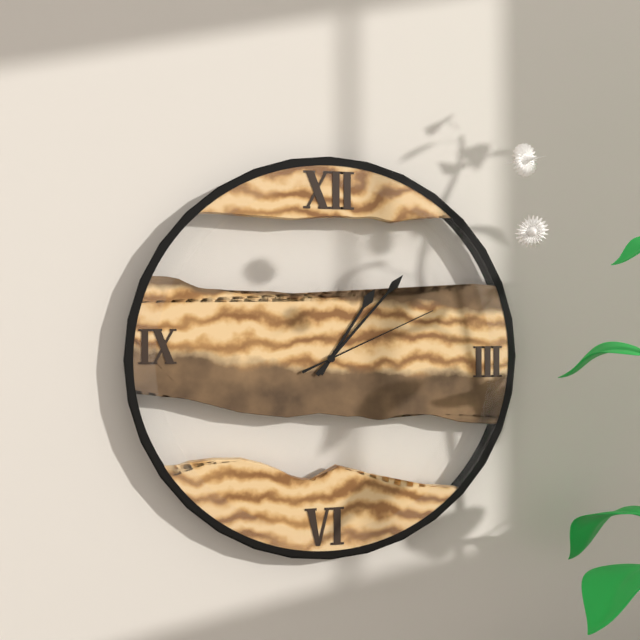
1:07:11
